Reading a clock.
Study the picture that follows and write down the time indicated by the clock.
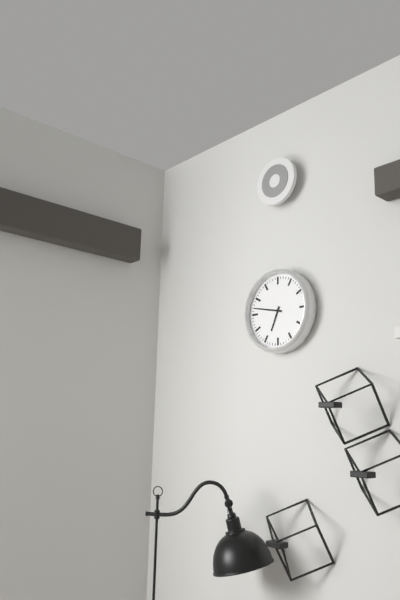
6:47
